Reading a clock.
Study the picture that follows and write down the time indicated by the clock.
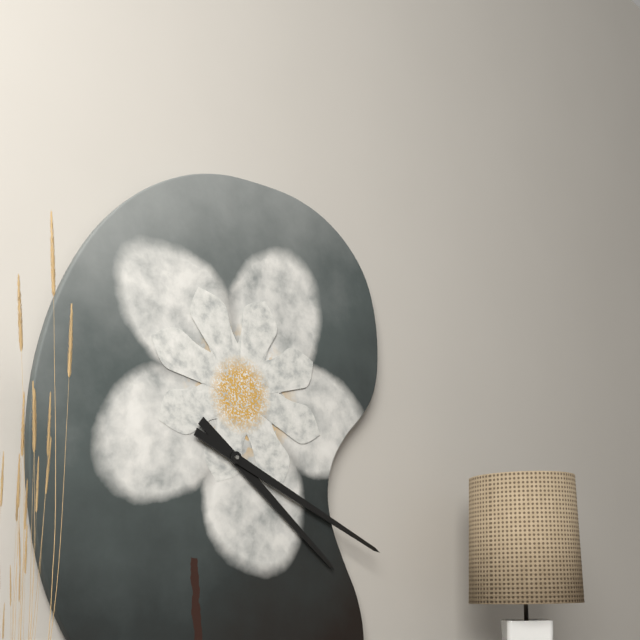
4:19
